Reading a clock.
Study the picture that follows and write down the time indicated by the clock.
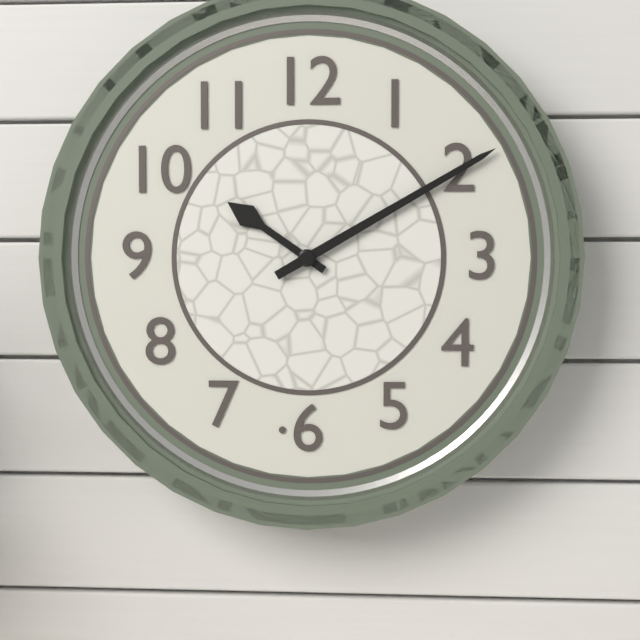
10:10
